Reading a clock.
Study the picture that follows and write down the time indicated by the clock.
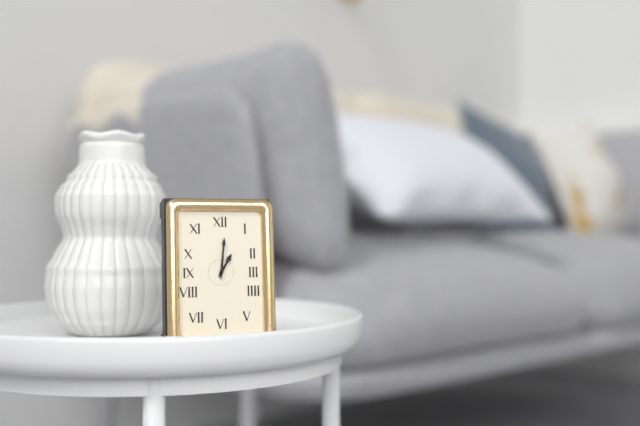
1:01
